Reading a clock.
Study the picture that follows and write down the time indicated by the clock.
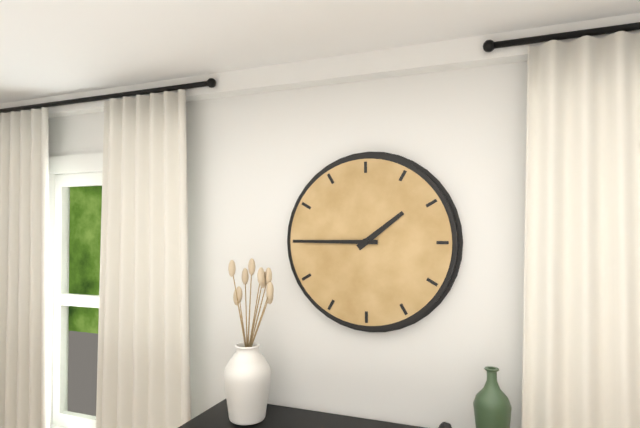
1:45
